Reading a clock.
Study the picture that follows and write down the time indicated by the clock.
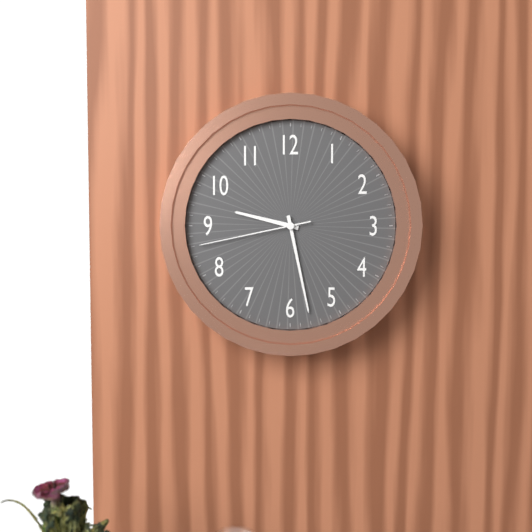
9:28:43
